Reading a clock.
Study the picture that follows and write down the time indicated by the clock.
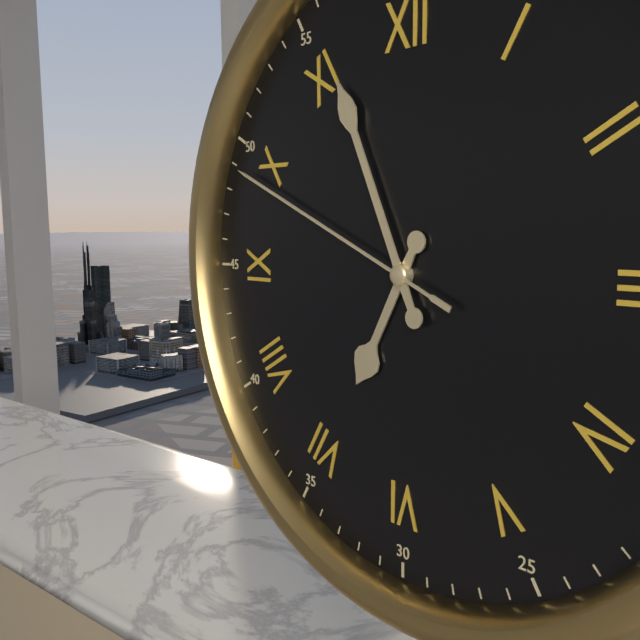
6:56:49
